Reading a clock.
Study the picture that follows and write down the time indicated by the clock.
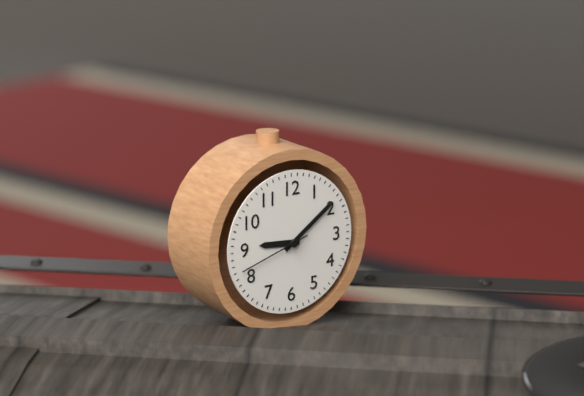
9:09:42
